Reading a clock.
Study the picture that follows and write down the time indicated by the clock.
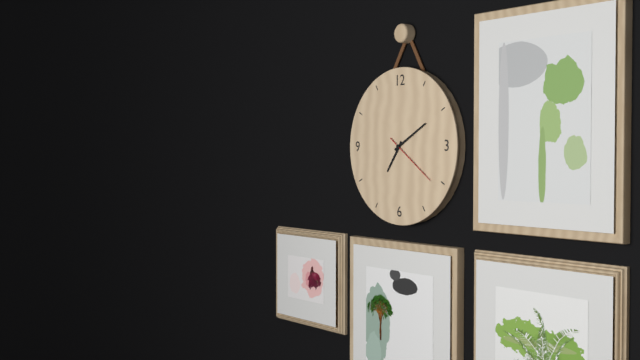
7:10:21
